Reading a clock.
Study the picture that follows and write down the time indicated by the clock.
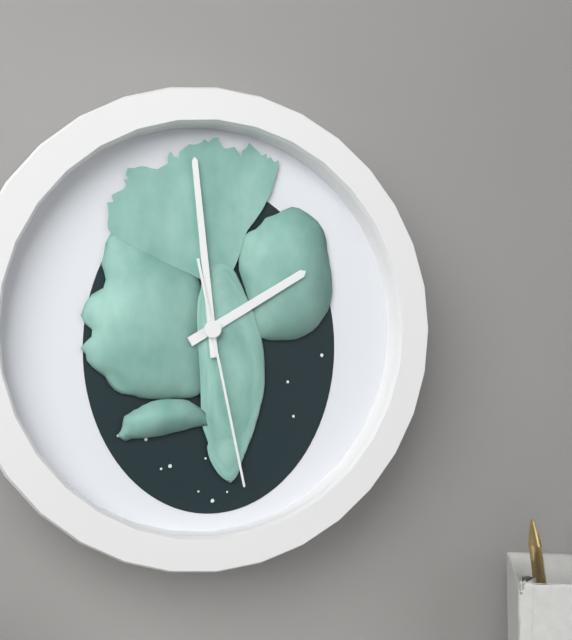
1:59:28
